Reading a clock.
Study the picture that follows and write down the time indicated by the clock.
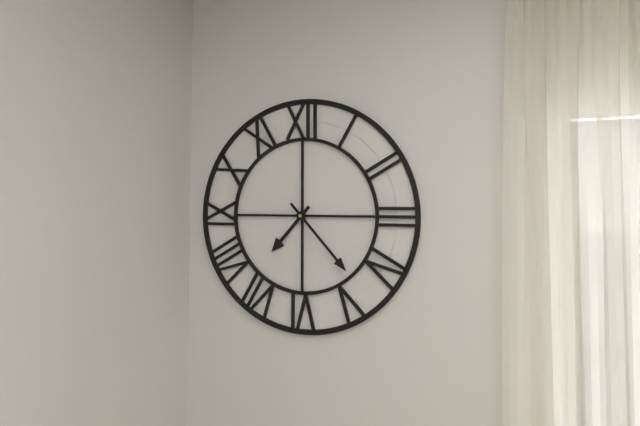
7:23
